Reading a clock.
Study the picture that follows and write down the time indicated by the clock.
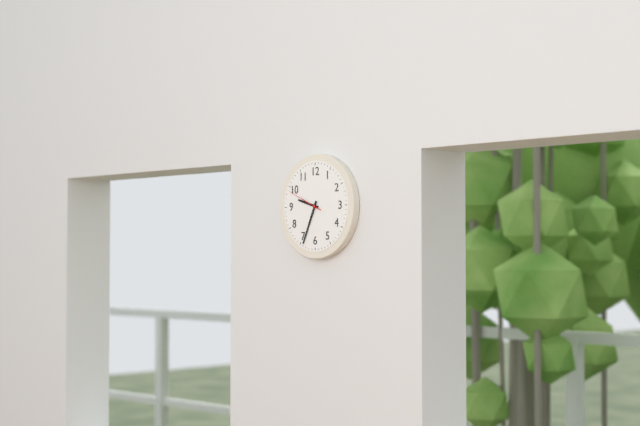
9:34
